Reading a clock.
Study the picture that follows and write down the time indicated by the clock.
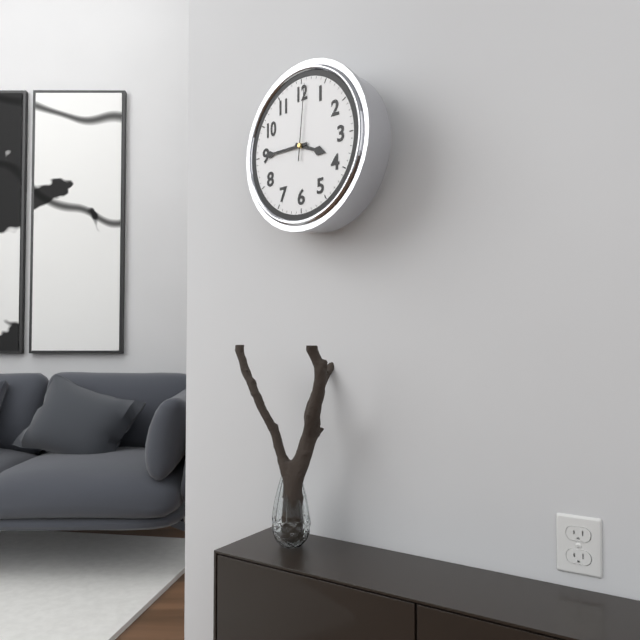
3:45:01
